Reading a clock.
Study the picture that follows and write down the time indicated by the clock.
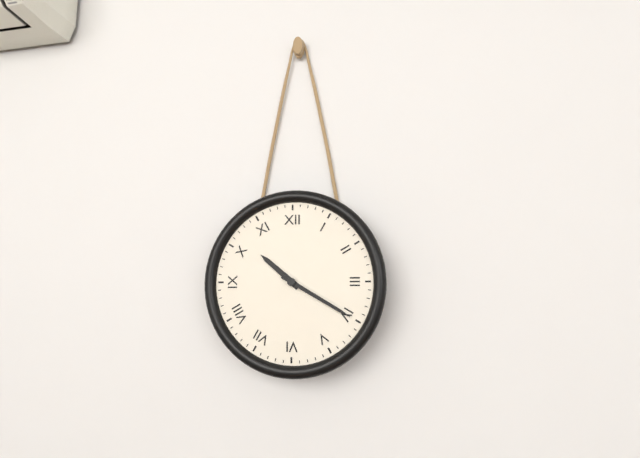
10:20
